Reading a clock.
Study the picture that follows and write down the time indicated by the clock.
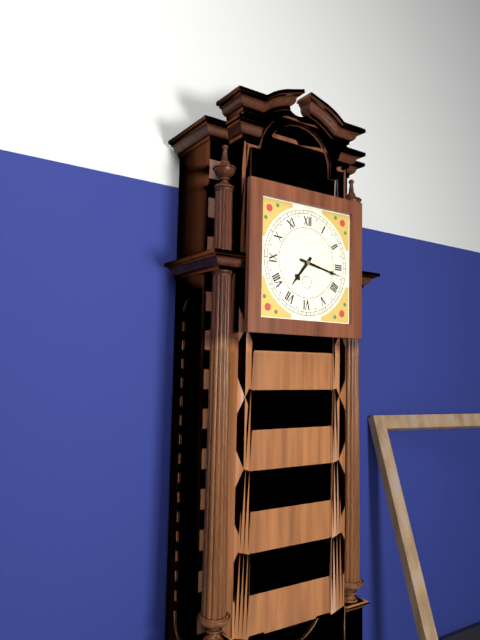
7:17
